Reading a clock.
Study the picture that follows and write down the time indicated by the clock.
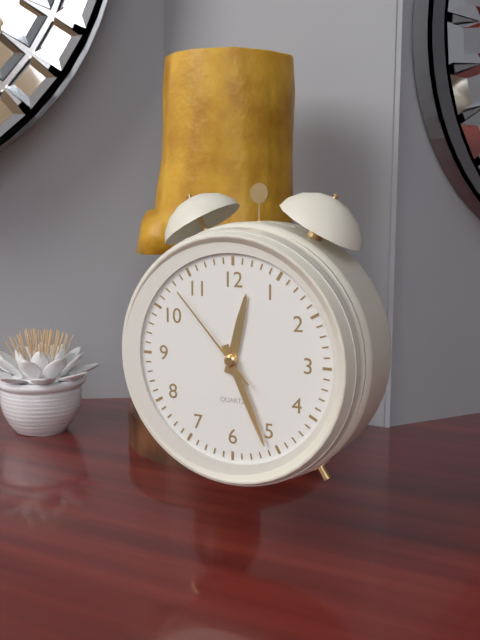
12:26:53
